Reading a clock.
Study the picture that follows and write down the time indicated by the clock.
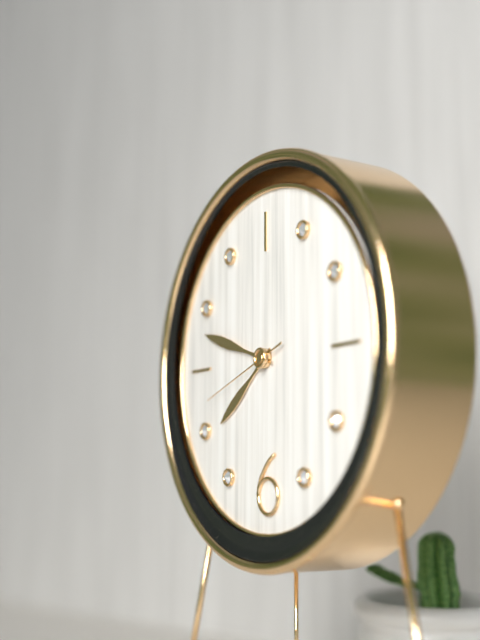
7:48:42
